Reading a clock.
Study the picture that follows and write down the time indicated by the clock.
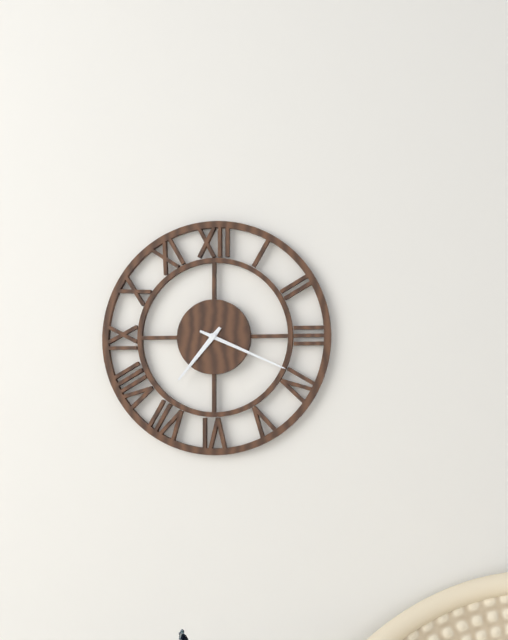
7:19
